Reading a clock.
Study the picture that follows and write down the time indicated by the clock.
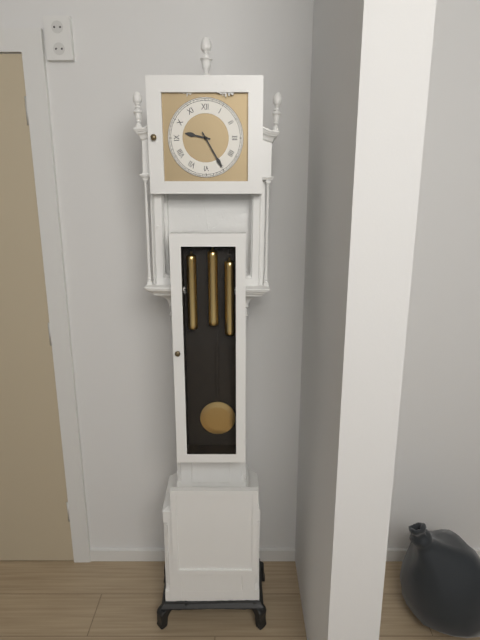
9:25
